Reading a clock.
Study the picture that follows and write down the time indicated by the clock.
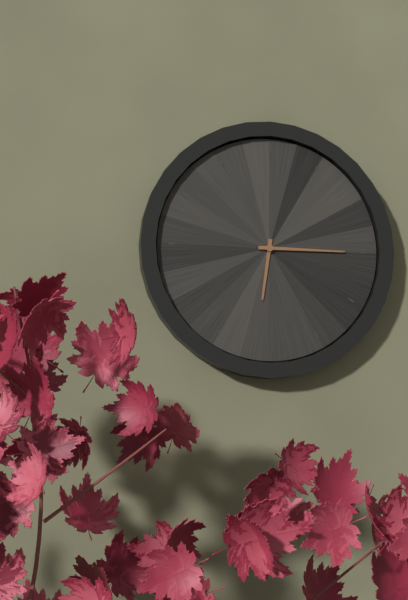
6:15
